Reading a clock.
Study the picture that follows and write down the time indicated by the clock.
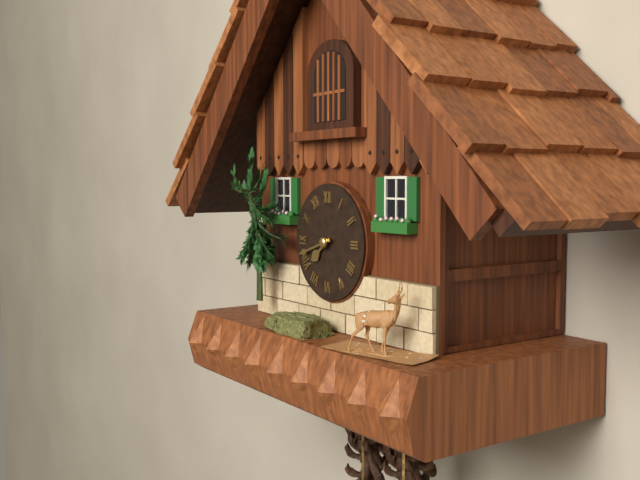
7:42
